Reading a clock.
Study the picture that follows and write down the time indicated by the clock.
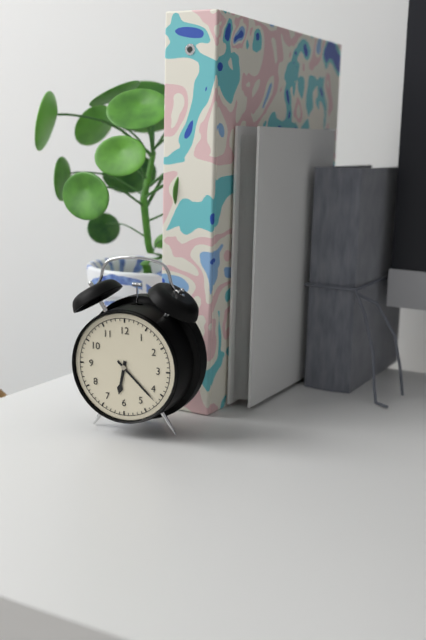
6:22
